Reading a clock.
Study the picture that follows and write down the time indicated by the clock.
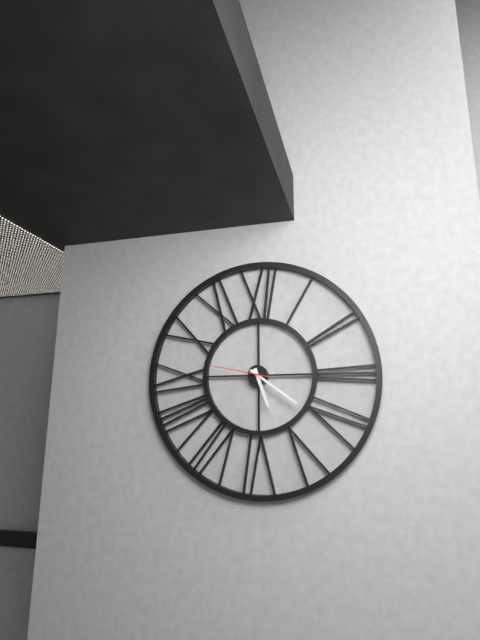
5:21:47
